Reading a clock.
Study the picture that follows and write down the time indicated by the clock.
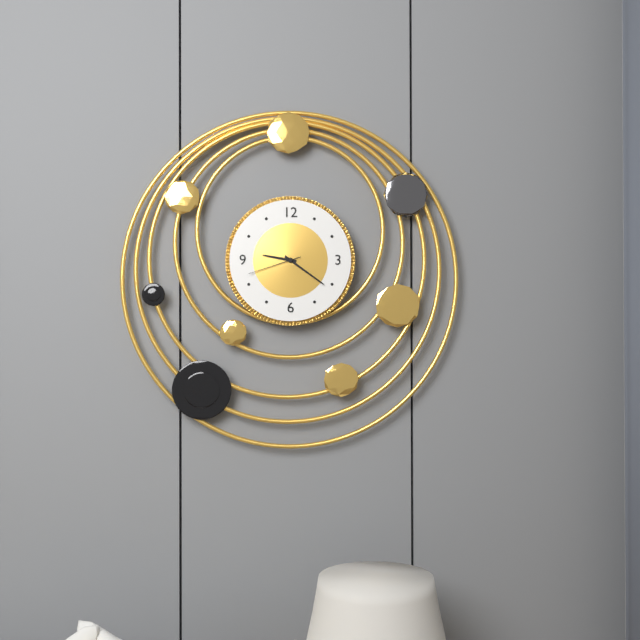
9:21:42
